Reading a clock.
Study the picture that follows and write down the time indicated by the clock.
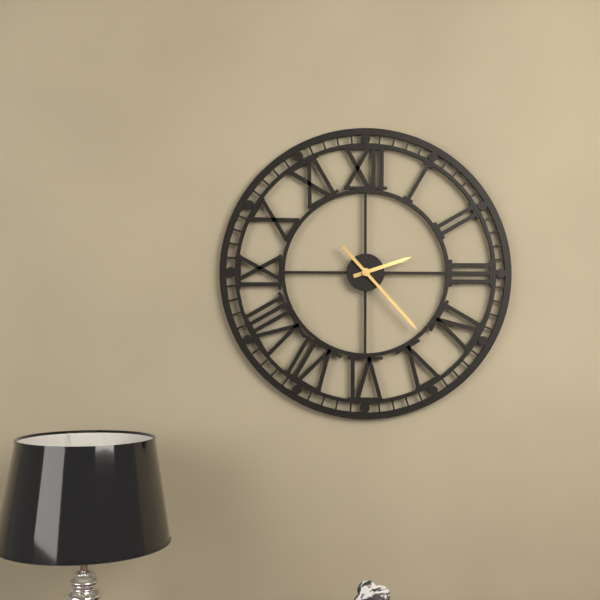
2:23
